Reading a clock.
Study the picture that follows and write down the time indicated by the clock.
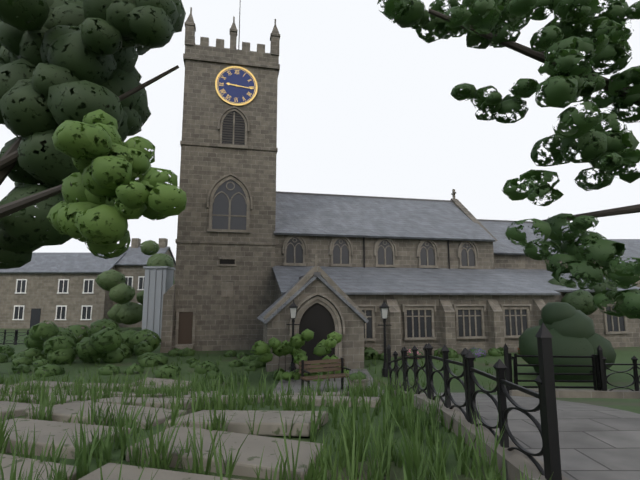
9:16
